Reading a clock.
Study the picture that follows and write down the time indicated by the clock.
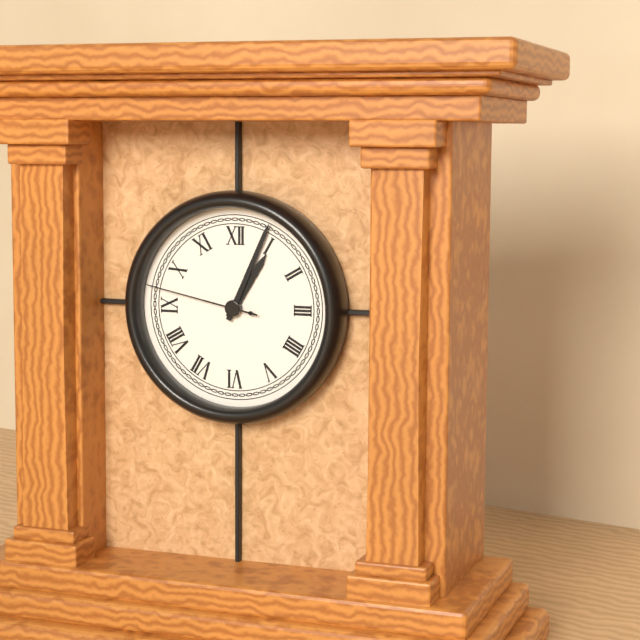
1:04:47
